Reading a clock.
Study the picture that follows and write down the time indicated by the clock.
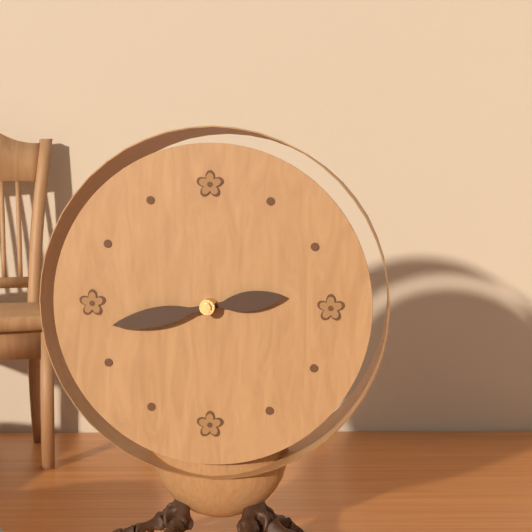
2:43
